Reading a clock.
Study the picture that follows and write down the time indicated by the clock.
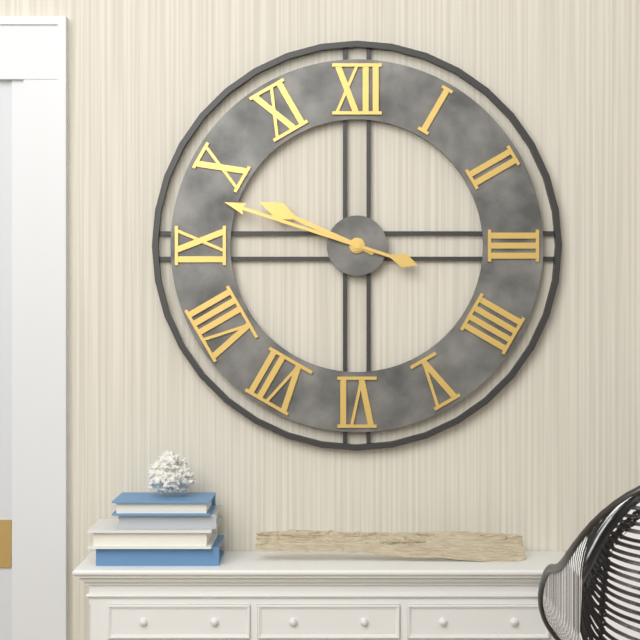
9:48
